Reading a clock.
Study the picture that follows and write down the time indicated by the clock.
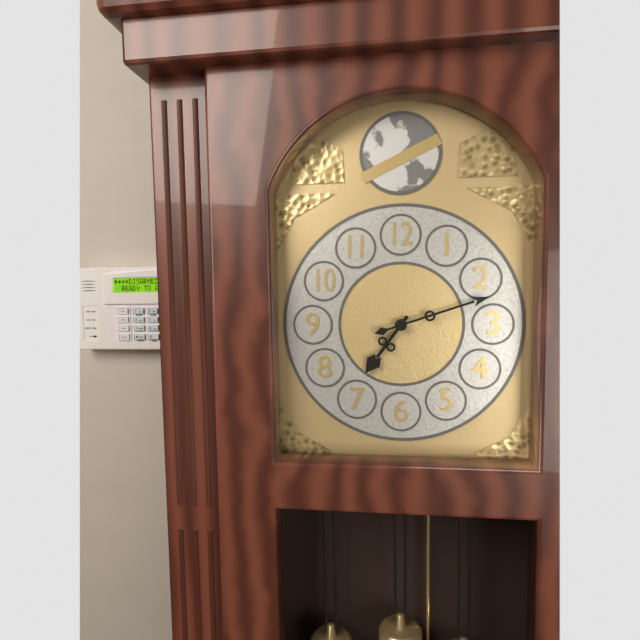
7:12
